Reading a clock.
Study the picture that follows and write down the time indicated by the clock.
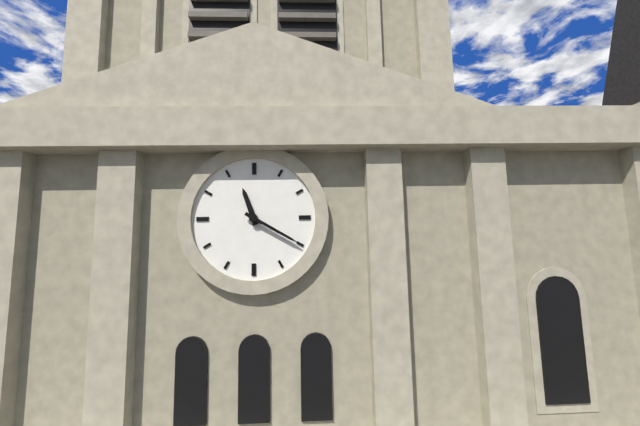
11:20
